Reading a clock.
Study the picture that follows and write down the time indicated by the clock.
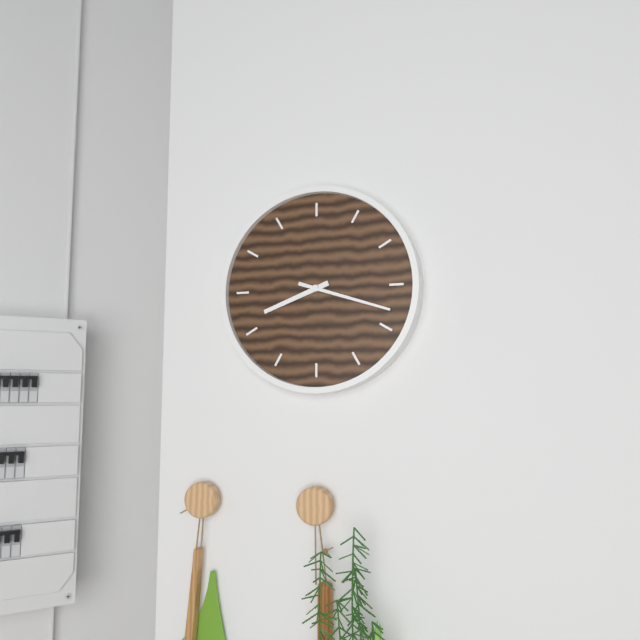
8:18
